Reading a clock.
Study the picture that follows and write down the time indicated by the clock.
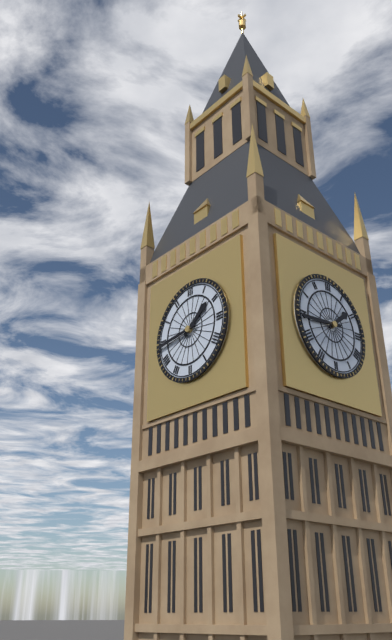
1:44
